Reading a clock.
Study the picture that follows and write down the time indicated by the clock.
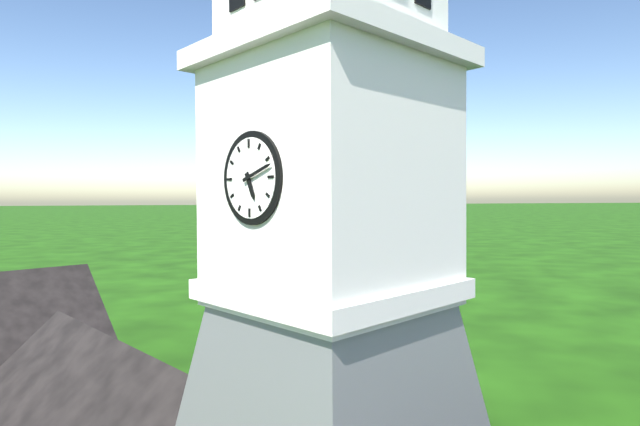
5:12
